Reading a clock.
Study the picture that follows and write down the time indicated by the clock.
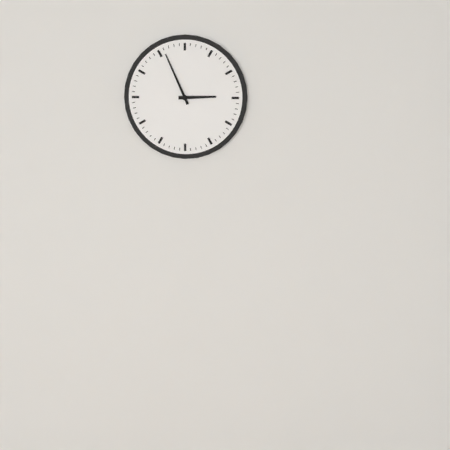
2:56
